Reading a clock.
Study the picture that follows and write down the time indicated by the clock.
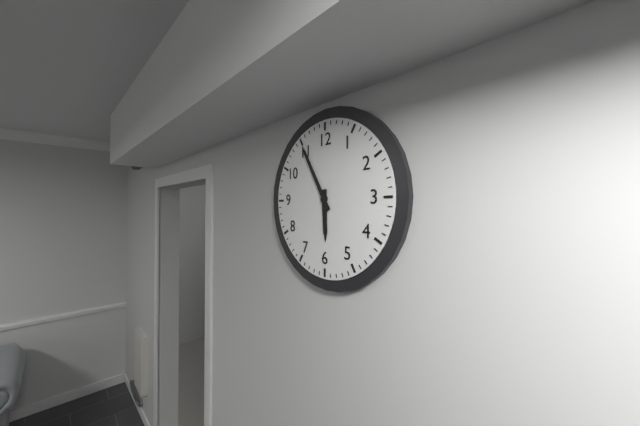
5:55
